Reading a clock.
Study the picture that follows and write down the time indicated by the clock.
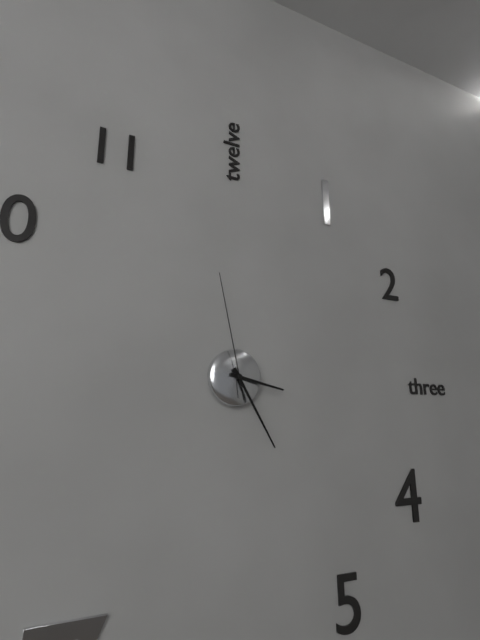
3:25:58
